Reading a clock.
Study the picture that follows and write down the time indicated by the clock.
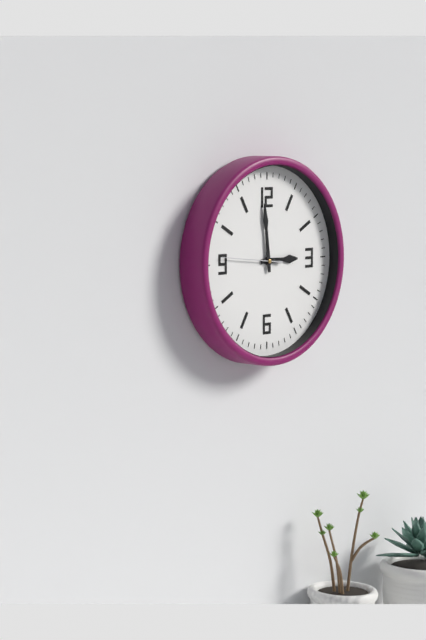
2:59:46
